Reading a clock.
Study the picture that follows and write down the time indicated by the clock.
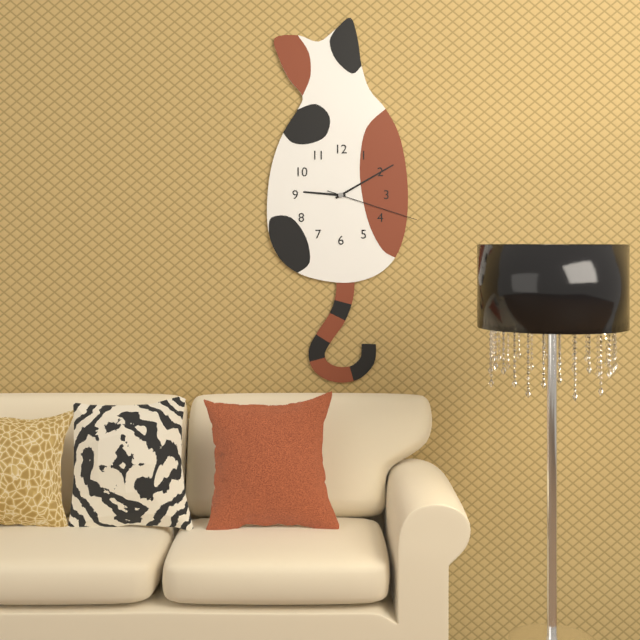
9:10:18
